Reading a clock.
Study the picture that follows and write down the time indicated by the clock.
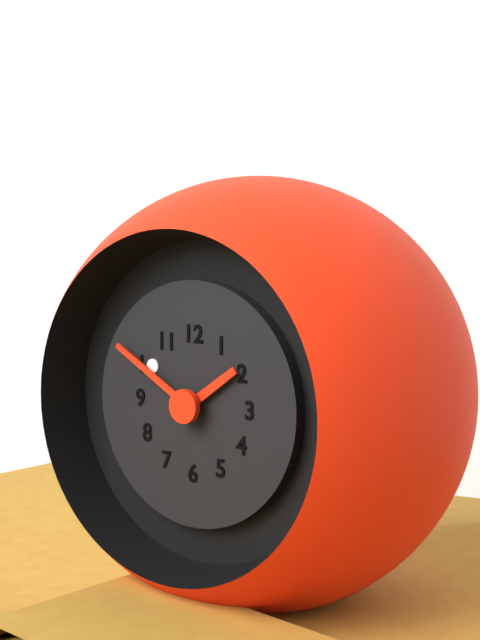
1:50
